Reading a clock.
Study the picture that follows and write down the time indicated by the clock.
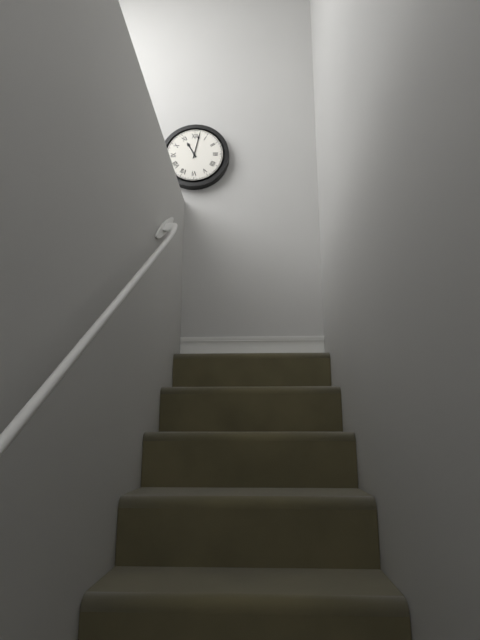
11:02
